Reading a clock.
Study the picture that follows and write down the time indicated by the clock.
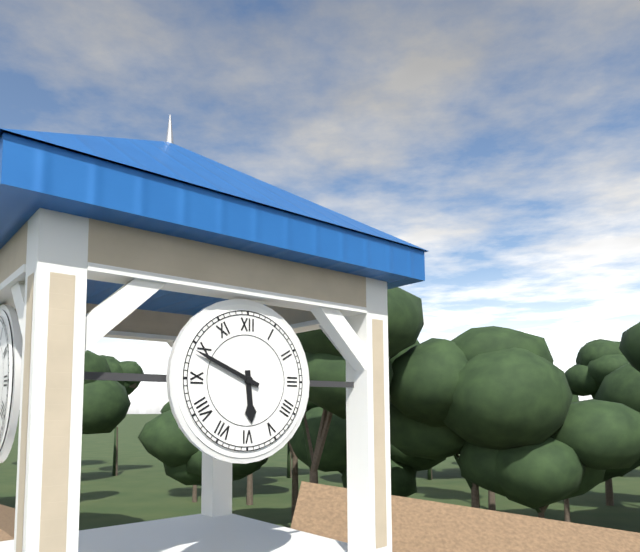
5:49
